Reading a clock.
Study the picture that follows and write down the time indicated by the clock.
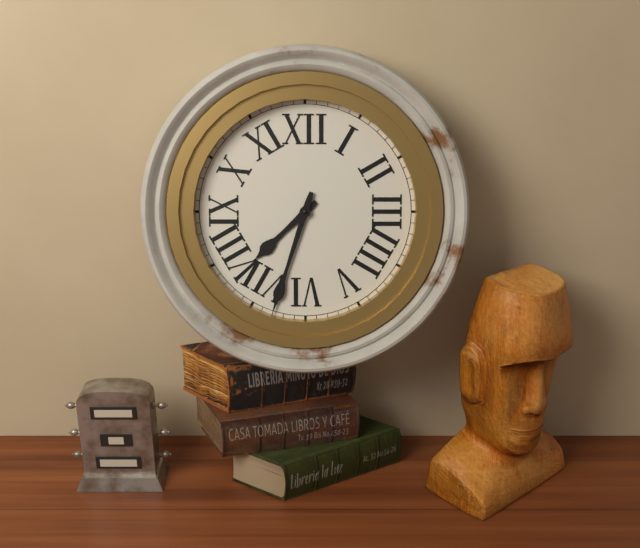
7:33
